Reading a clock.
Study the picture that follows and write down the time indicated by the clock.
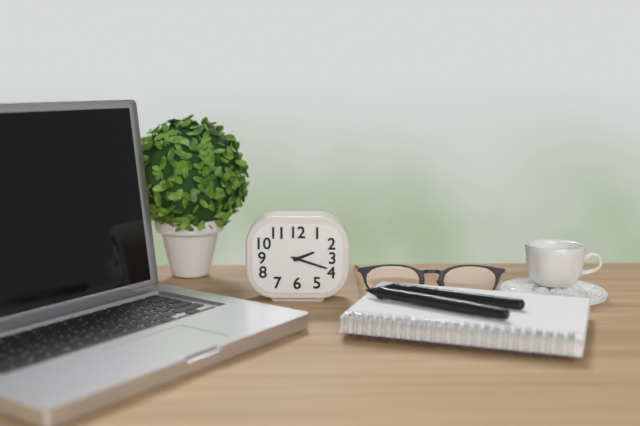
2:18
